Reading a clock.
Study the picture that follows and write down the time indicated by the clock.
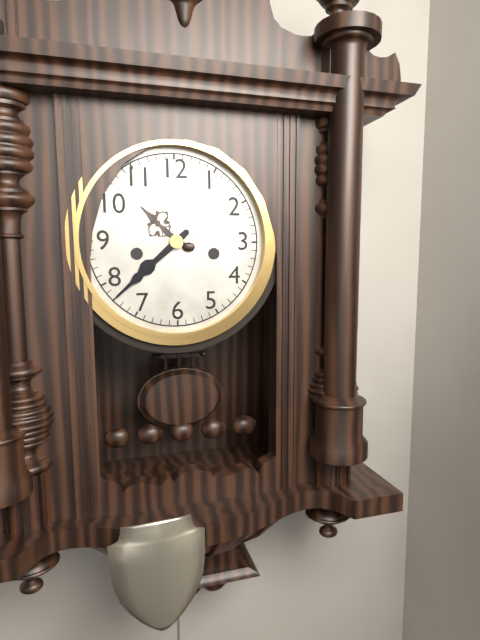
7:38
